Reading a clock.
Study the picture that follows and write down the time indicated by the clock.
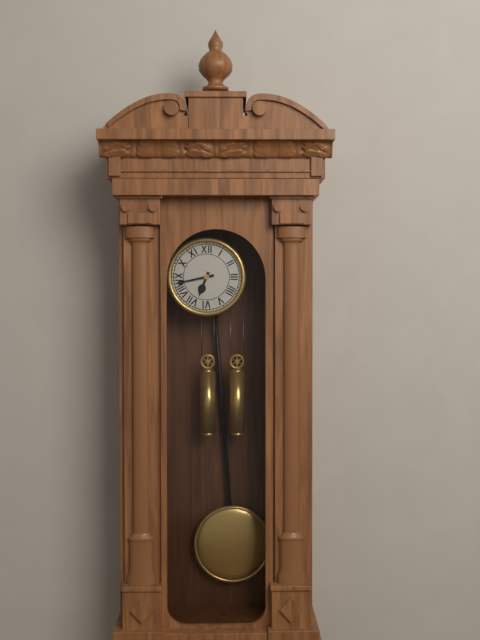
6:43
